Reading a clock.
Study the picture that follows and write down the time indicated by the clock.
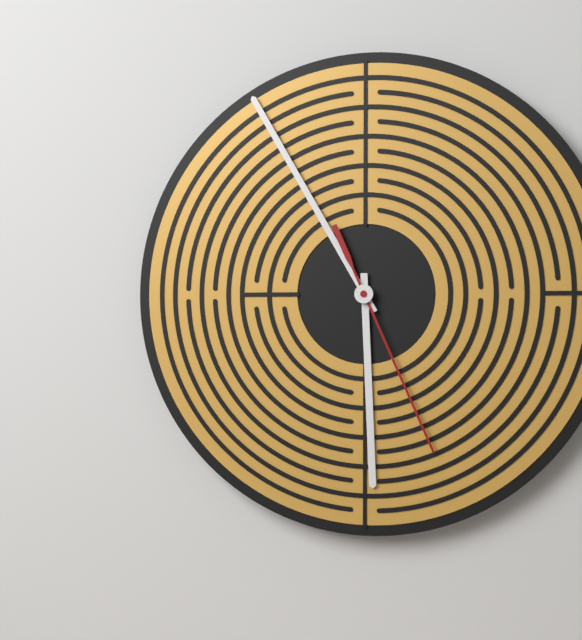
5:55:26
